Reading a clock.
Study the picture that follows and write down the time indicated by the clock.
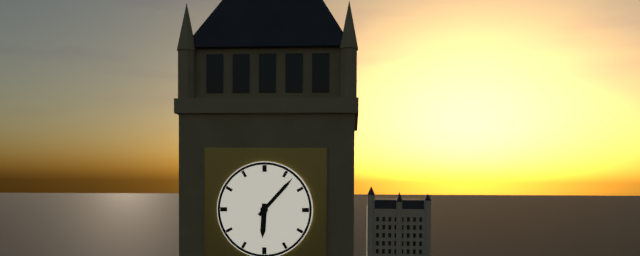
6:07
